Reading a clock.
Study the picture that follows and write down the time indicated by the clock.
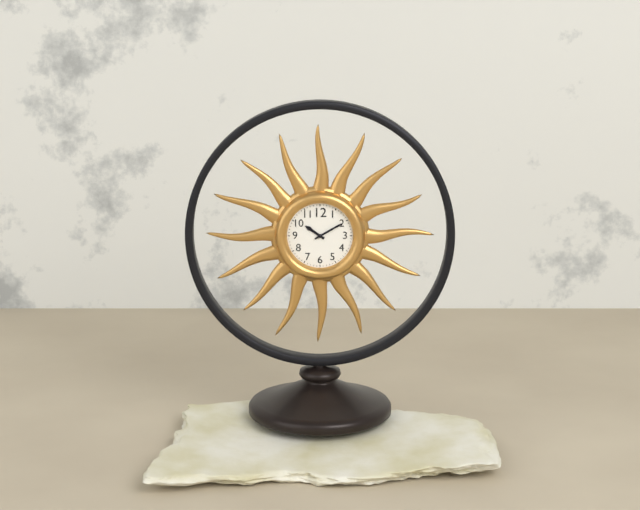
10:10
